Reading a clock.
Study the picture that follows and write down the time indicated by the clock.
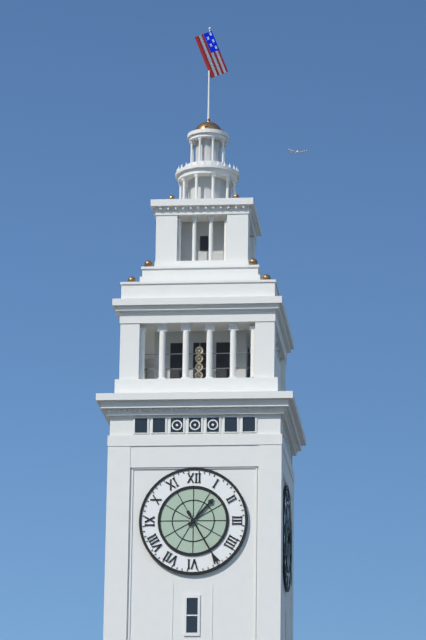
1:25
